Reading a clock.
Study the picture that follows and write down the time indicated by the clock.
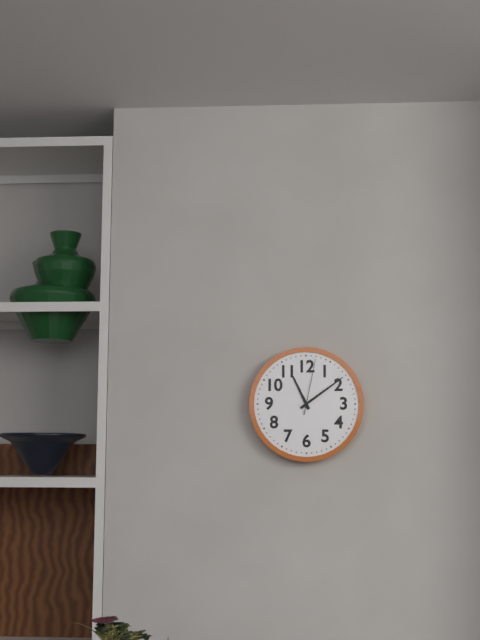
11:09:02
